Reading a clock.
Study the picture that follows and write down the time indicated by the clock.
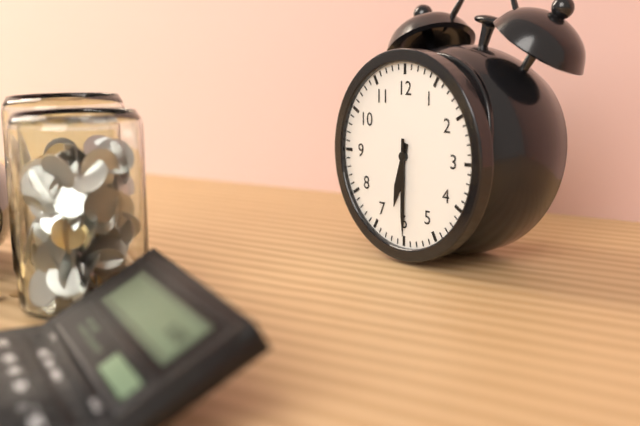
6:30
